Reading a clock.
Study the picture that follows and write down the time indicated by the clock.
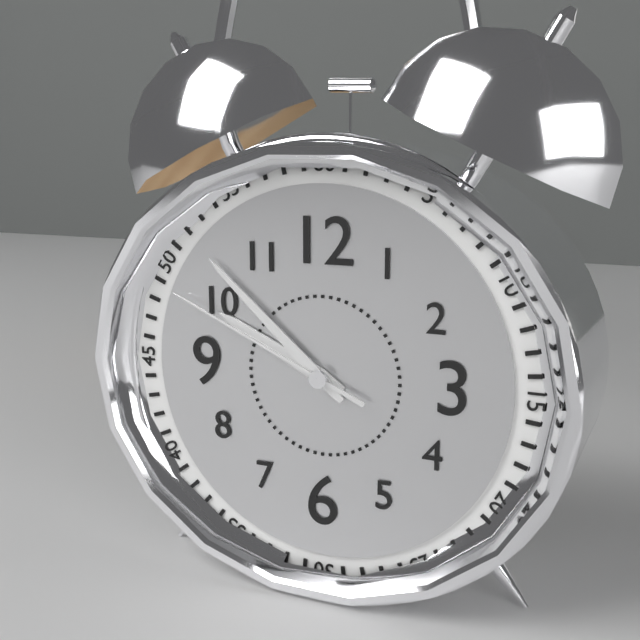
9:52:49
